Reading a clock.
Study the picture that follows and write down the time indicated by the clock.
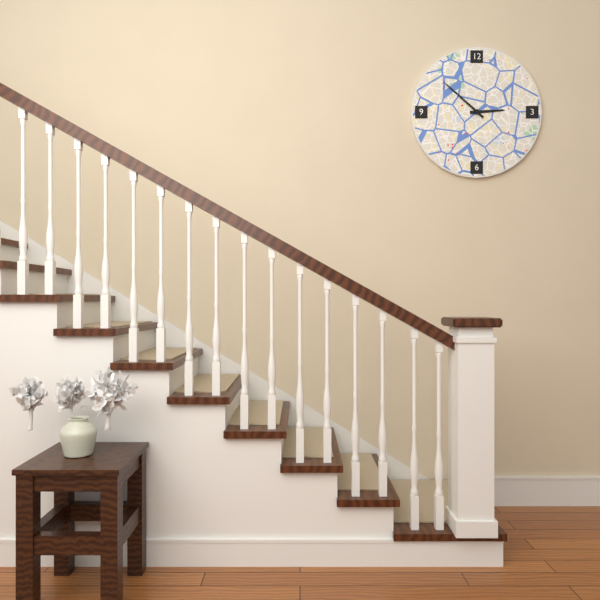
2:52
